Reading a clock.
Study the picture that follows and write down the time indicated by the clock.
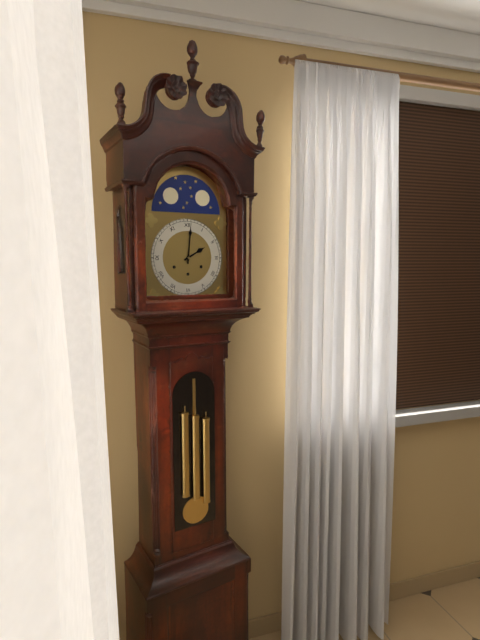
2:01
